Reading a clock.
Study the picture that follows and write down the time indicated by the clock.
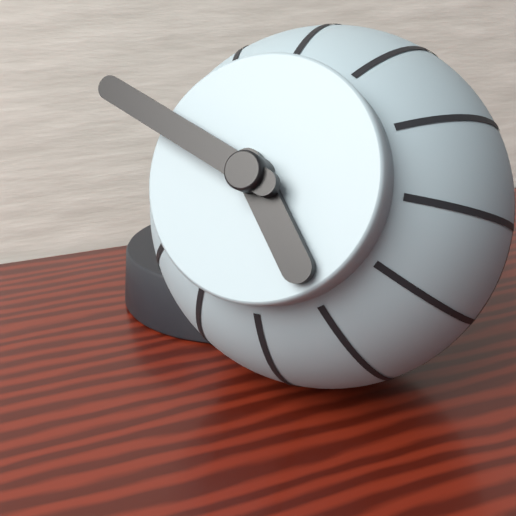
4:49
